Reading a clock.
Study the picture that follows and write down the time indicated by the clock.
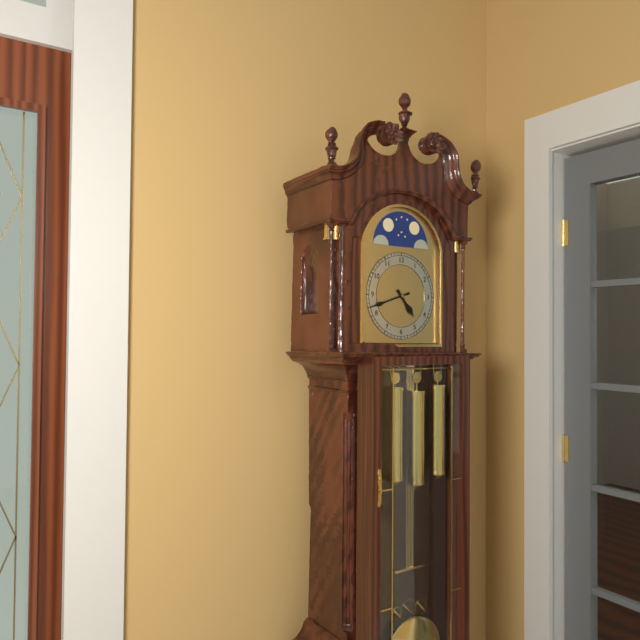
4:42
